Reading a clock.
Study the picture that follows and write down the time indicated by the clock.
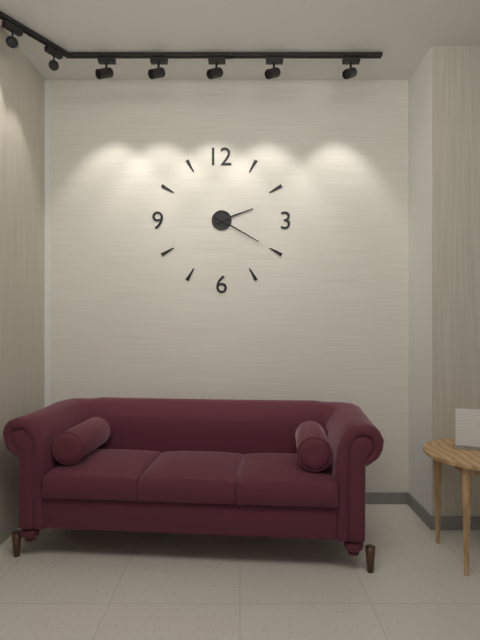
2:20
